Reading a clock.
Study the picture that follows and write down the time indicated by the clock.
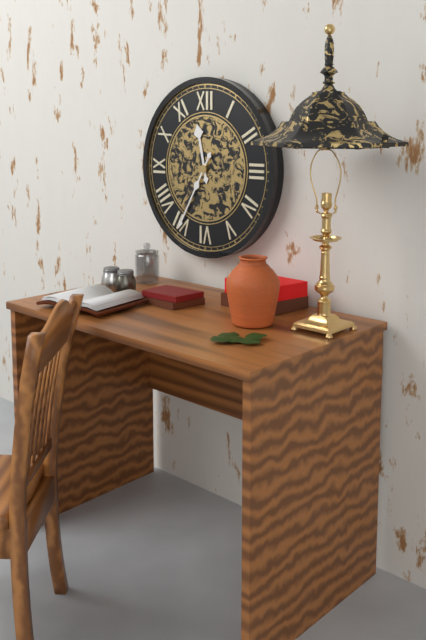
11:35
